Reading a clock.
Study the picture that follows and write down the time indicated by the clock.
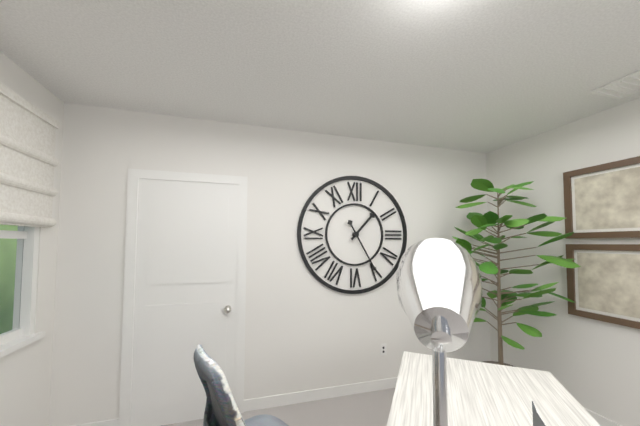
1:25
